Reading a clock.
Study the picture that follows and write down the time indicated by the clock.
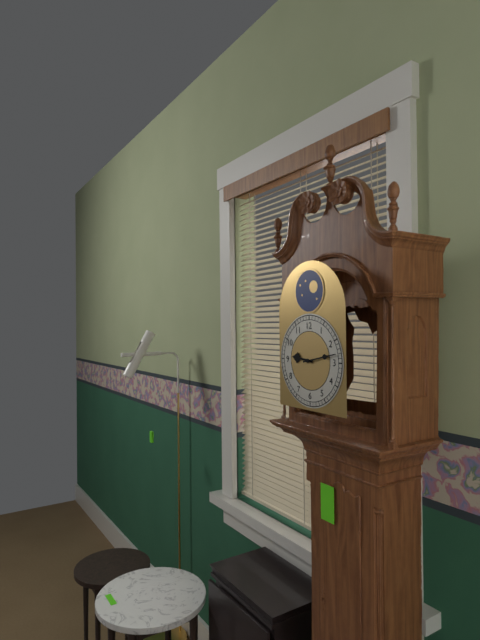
9:13
